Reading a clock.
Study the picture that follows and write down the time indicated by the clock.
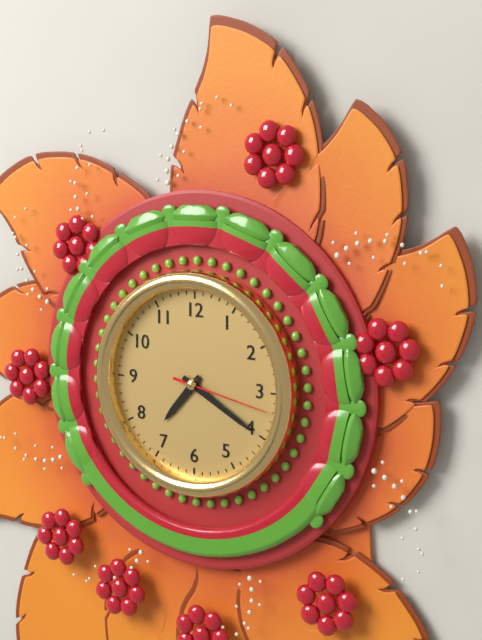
7:20:17
